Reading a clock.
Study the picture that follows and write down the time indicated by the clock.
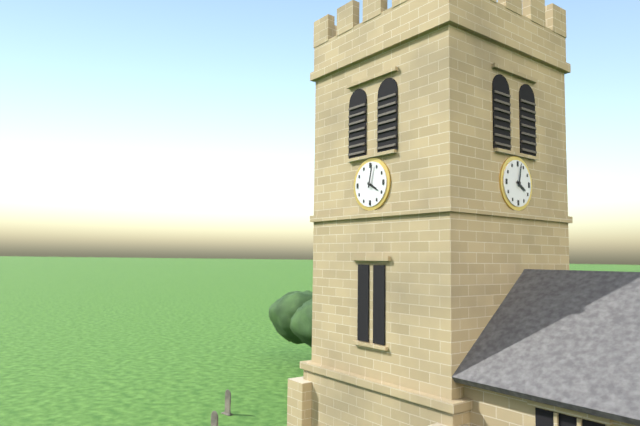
4:02
